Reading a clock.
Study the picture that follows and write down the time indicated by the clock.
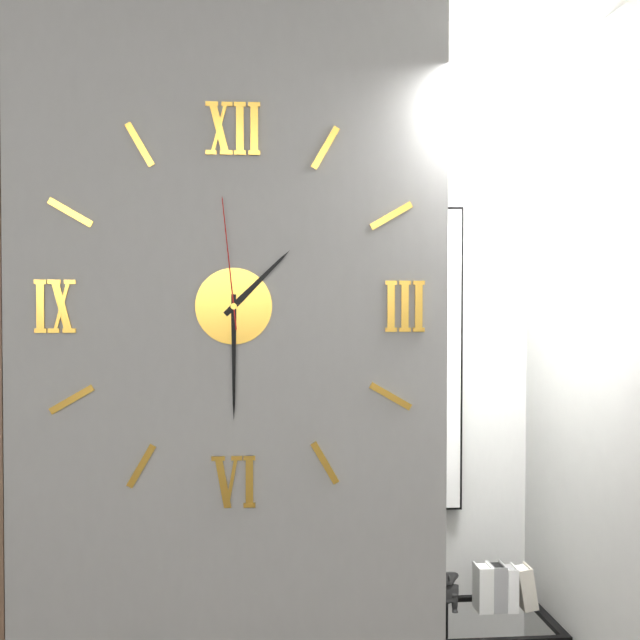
1:30:59
